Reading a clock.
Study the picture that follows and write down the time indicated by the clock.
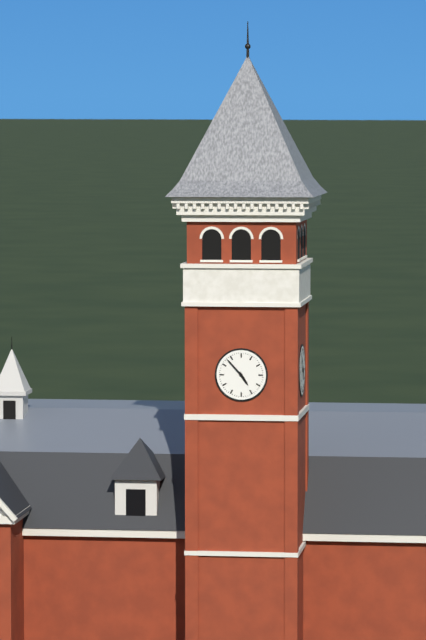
4:53
